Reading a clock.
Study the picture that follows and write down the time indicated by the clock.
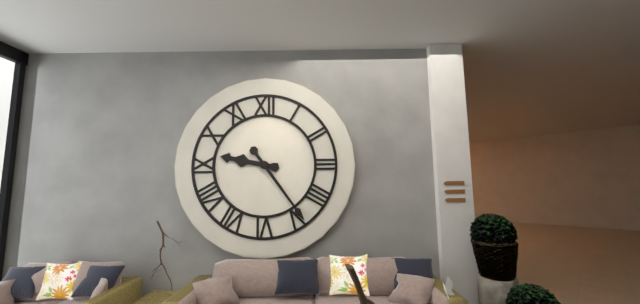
9:24
